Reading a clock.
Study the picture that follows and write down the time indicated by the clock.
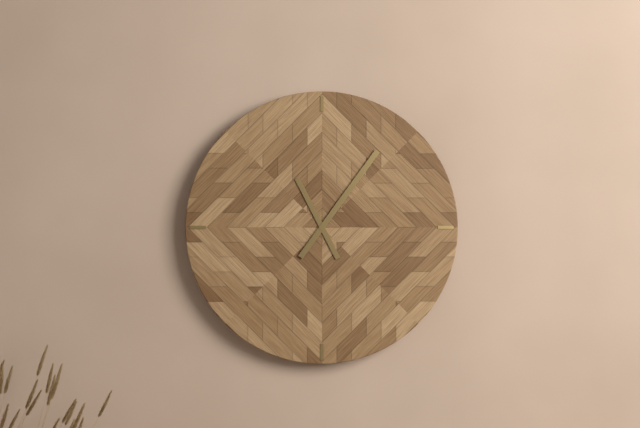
11:06
